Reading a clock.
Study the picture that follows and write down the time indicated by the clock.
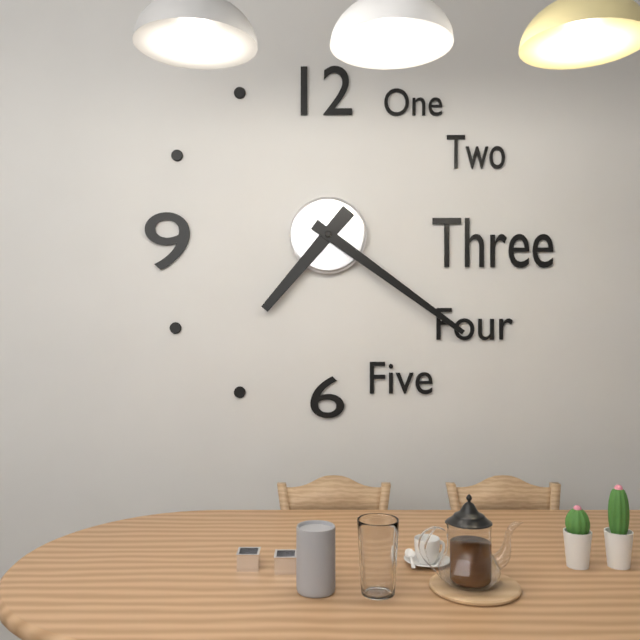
7:21
